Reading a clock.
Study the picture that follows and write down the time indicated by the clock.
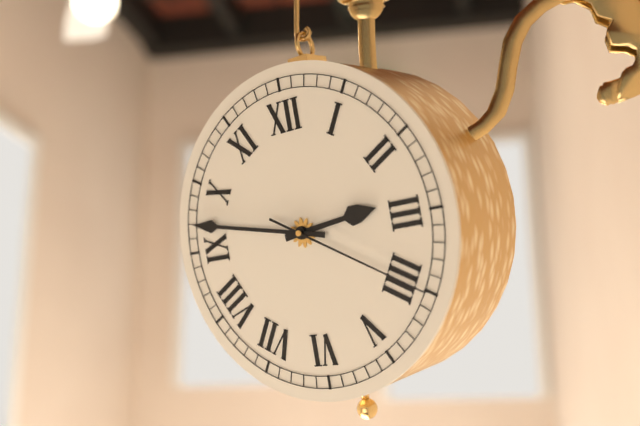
2:47:20
